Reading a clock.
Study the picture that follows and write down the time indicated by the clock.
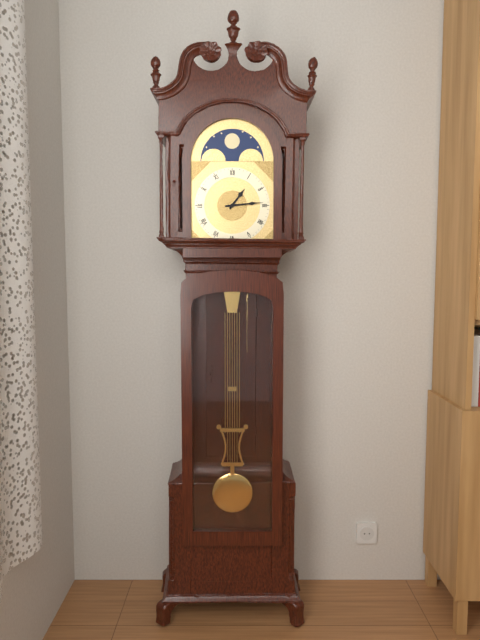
1:14
